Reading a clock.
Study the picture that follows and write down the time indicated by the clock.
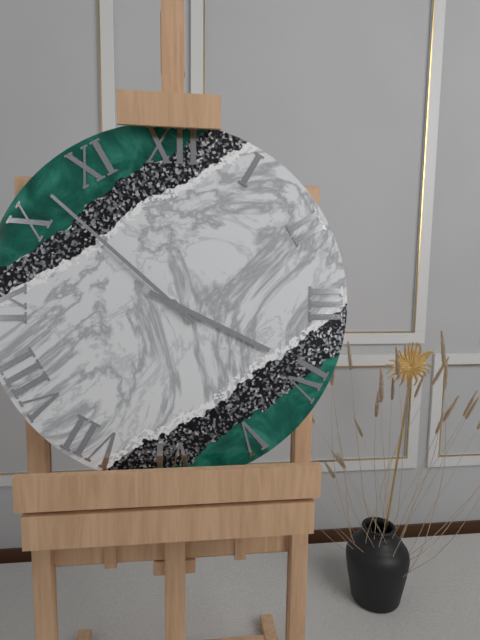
3:52
